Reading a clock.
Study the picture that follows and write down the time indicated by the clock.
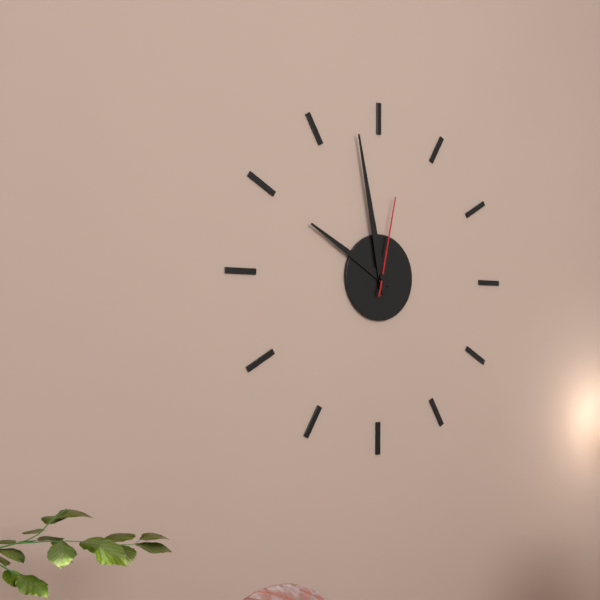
9:58:02
